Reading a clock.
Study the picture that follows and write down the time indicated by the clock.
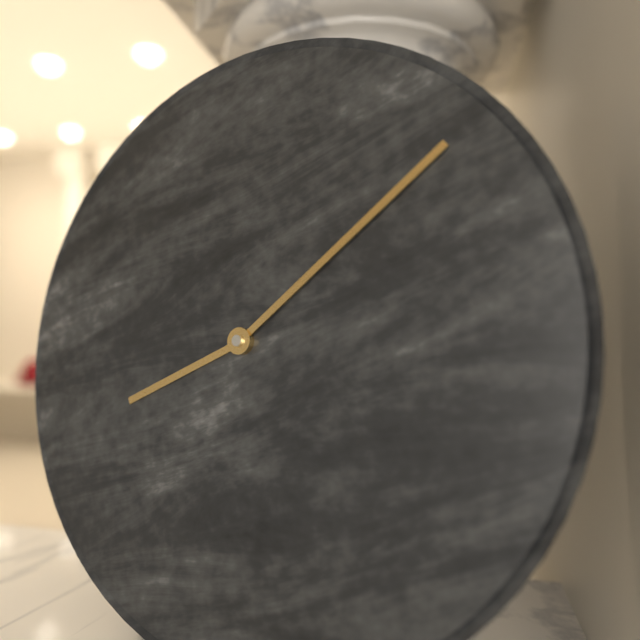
8:08
